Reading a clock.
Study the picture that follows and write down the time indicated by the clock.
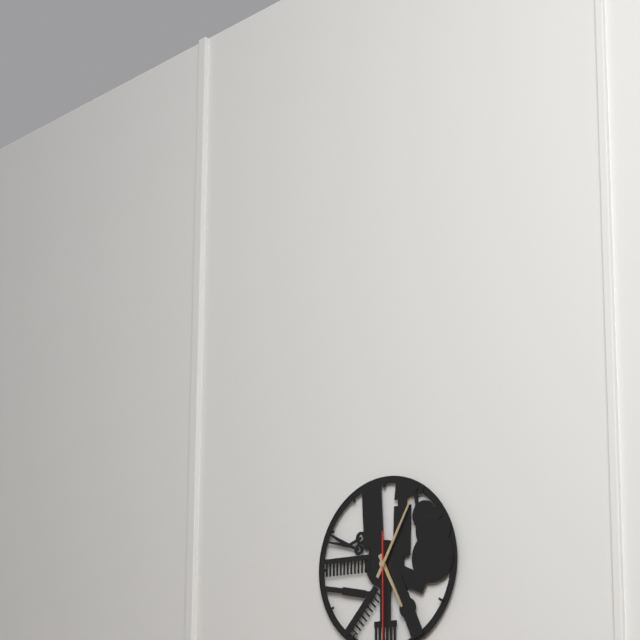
5:05
